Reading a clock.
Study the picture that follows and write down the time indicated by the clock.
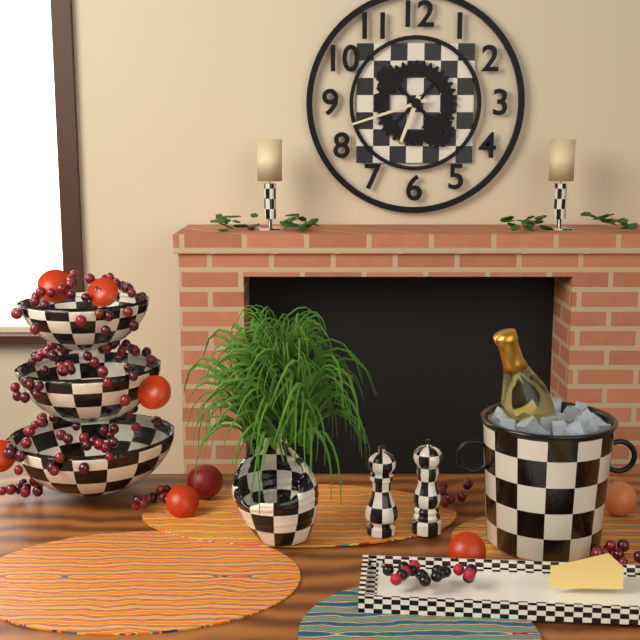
6:42
